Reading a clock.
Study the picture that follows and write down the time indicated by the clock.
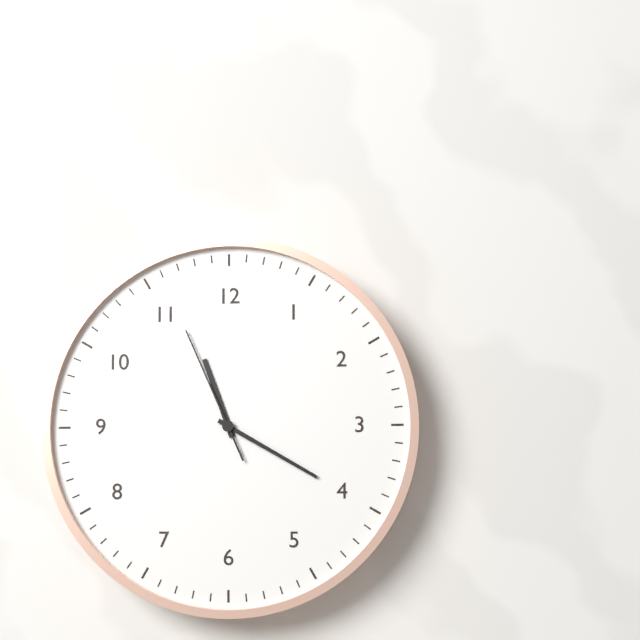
11:20:56
